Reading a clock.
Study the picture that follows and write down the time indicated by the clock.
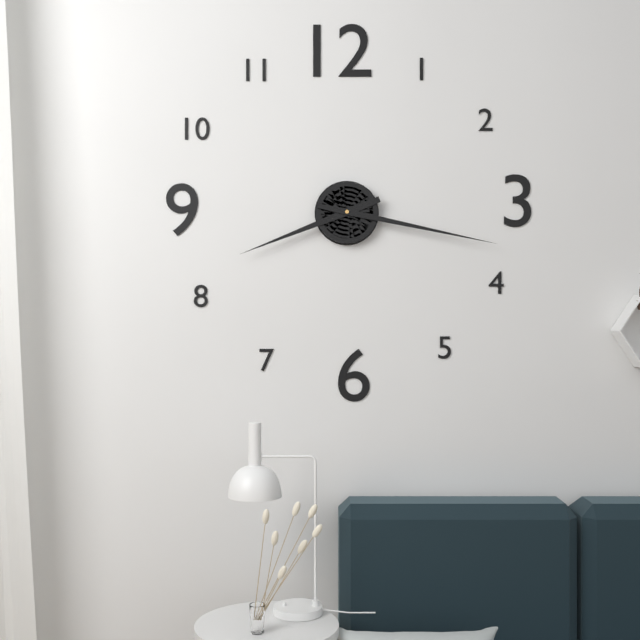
8:17
